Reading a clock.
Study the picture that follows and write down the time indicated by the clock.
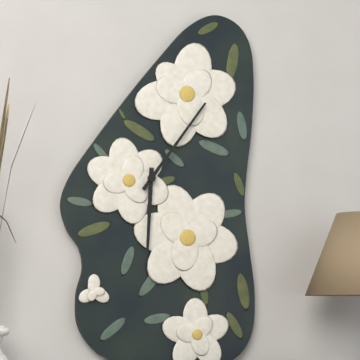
6:06
